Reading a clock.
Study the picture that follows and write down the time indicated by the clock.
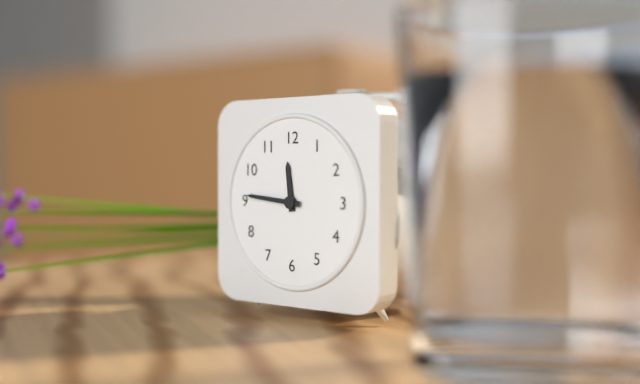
11:46
